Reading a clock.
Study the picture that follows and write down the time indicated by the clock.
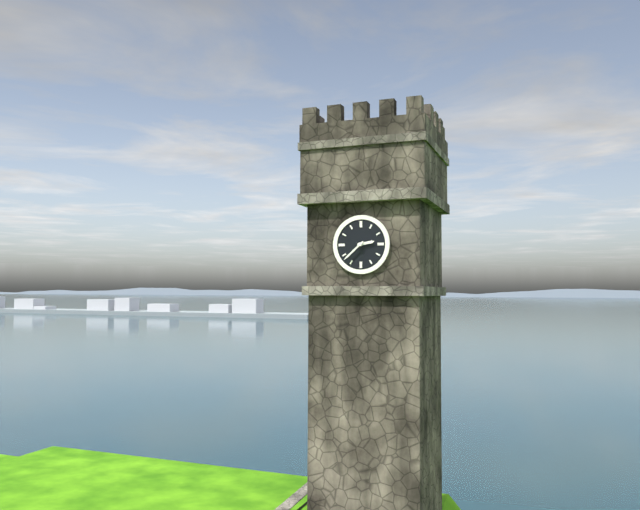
2:38
